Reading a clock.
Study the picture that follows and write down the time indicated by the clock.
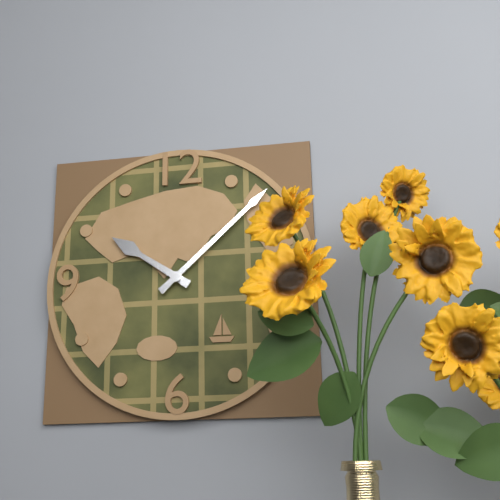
10:08
